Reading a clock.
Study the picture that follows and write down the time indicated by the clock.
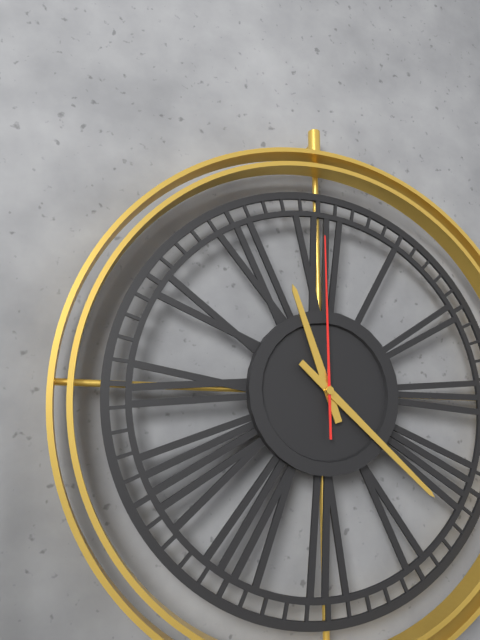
11:22:00
